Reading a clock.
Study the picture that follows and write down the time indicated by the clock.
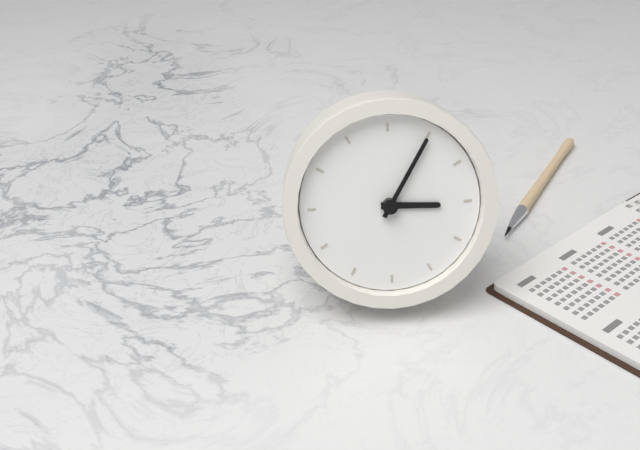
3:05
